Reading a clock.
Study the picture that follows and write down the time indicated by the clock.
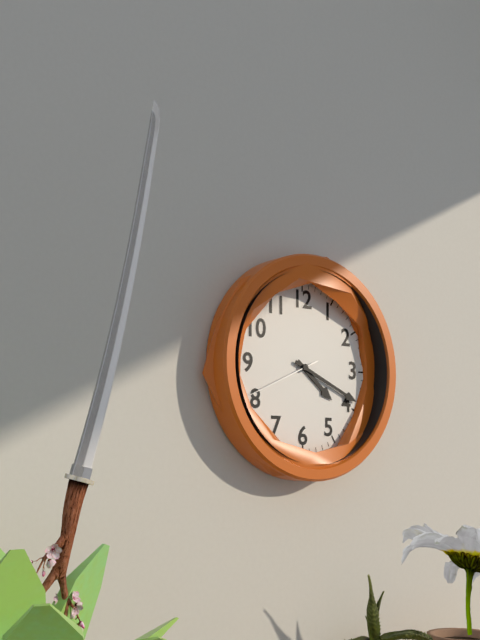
4:19:41
